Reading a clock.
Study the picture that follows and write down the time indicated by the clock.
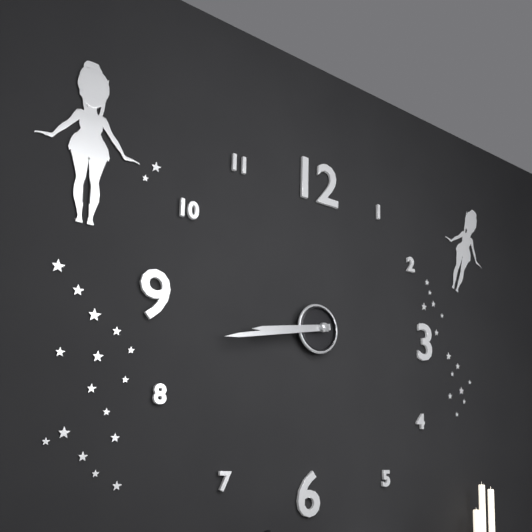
8:43
